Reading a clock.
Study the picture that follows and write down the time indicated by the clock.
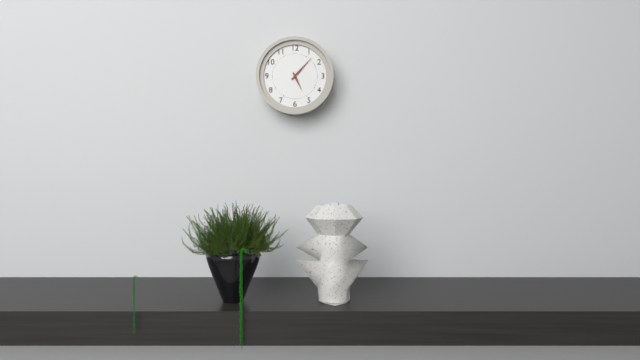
5:07
